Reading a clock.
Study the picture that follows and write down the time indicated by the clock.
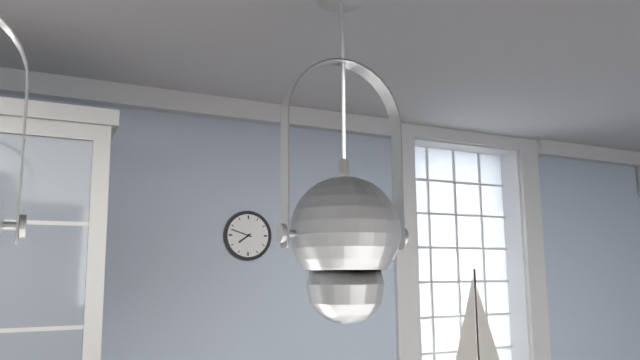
7:48
